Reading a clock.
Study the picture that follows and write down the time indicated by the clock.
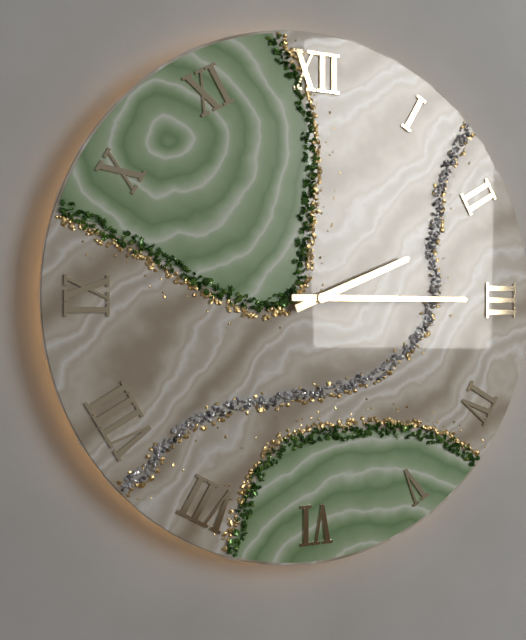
2:15
